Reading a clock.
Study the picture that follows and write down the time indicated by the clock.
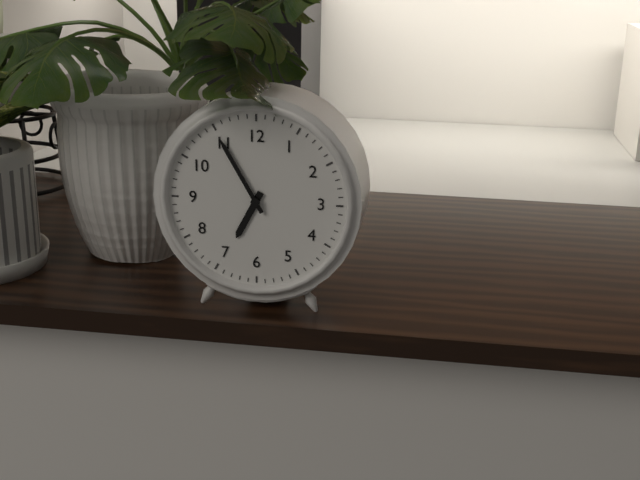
6:55
